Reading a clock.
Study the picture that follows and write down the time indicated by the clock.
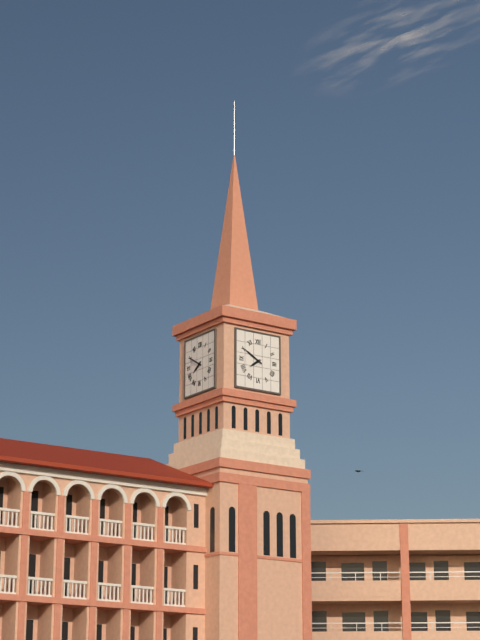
7:50
